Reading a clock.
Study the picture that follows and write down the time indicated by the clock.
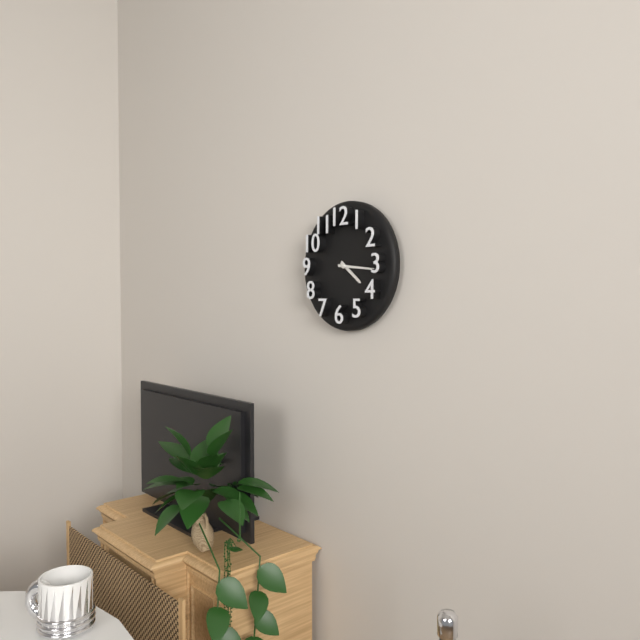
4:16
